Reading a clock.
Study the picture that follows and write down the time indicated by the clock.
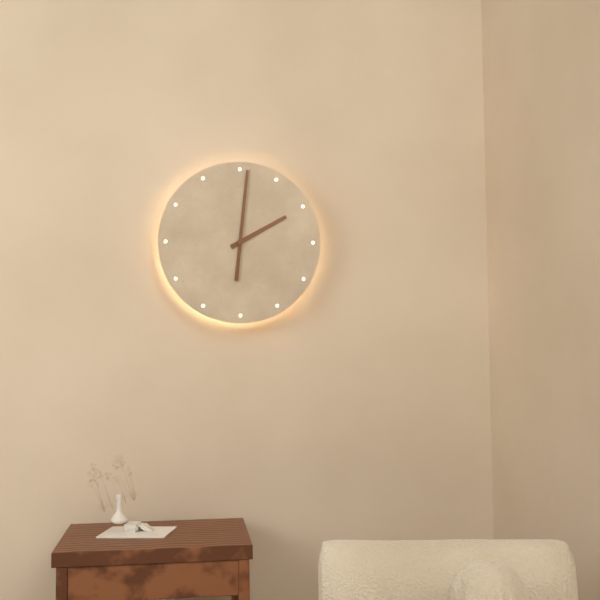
2:01
